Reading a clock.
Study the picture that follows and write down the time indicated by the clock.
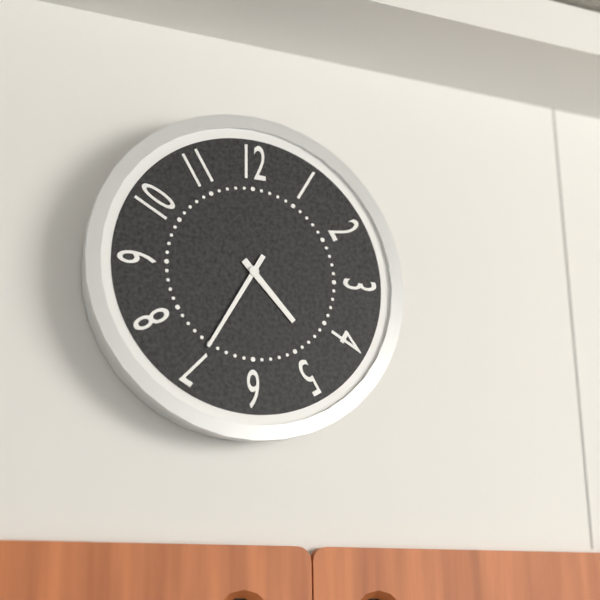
4:35
